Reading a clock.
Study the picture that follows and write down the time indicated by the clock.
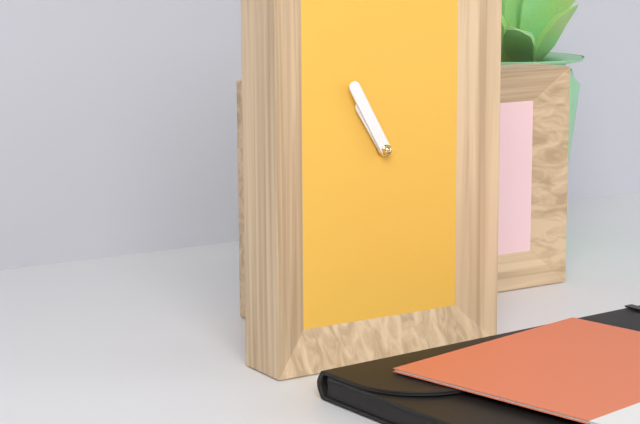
10:55
